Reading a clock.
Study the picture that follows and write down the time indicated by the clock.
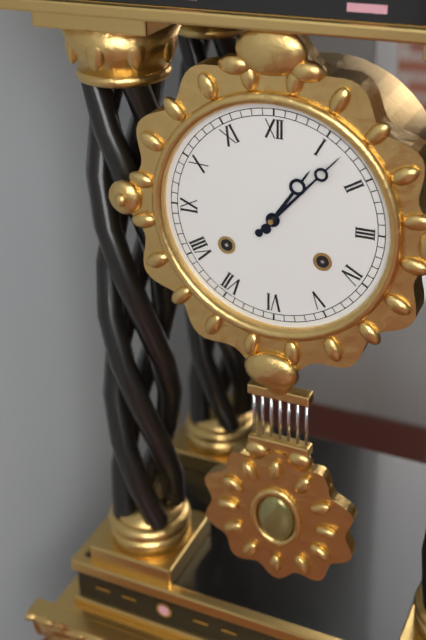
1:07
